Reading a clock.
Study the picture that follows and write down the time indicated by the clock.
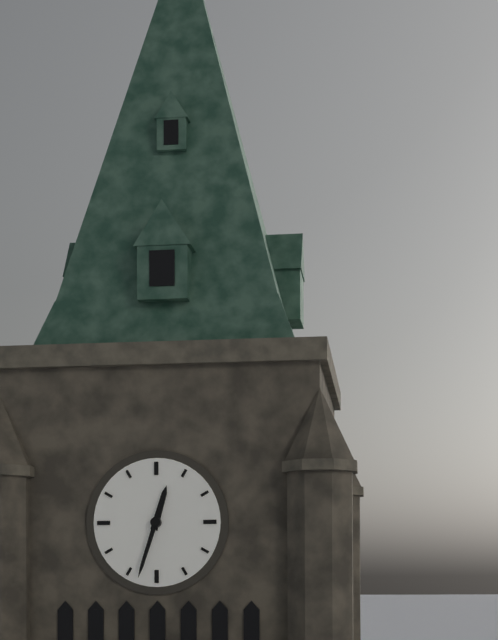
12:33
